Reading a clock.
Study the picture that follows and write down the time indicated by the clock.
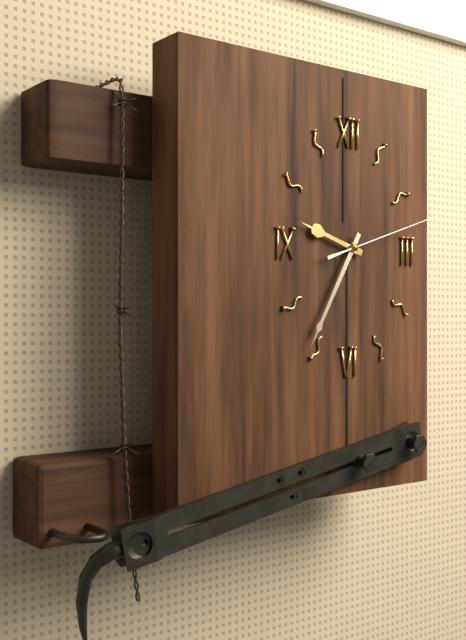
9:35:12
